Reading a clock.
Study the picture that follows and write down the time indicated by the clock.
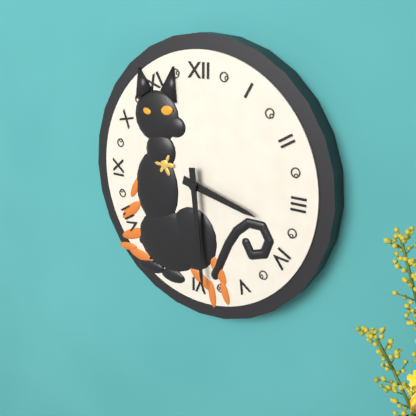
3:29
